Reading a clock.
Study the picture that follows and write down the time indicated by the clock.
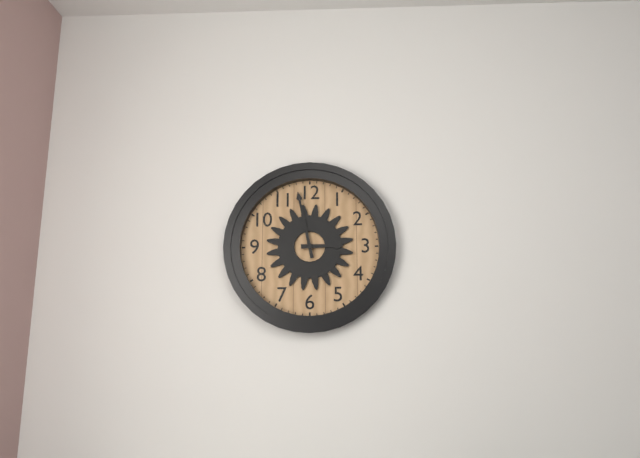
2:58
